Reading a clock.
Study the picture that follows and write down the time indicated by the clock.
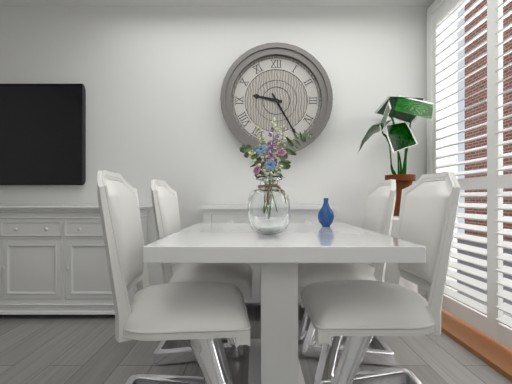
9:25
